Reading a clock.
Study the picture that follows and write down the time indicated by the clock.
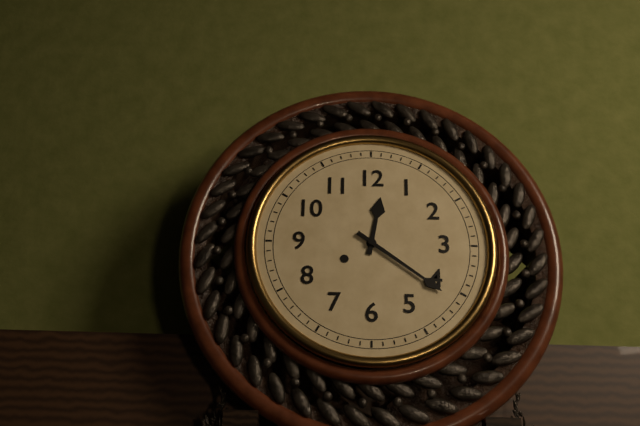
12:21
